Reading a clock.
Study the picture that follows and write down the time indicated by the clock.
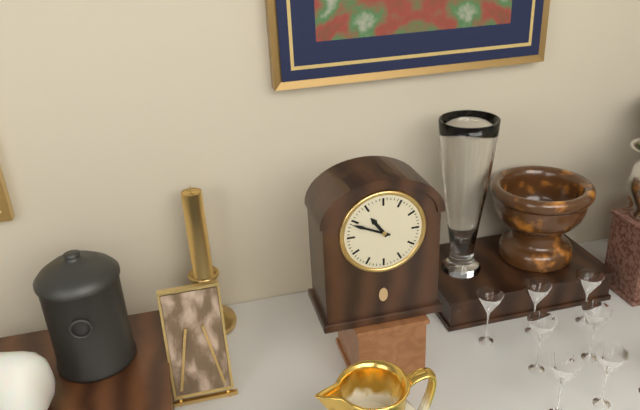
10:49
